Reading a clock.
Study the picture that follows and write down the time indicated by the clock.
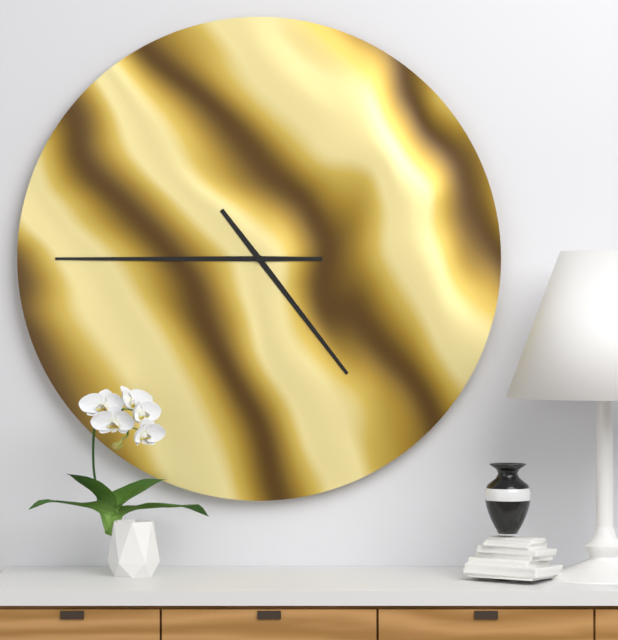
4:45
